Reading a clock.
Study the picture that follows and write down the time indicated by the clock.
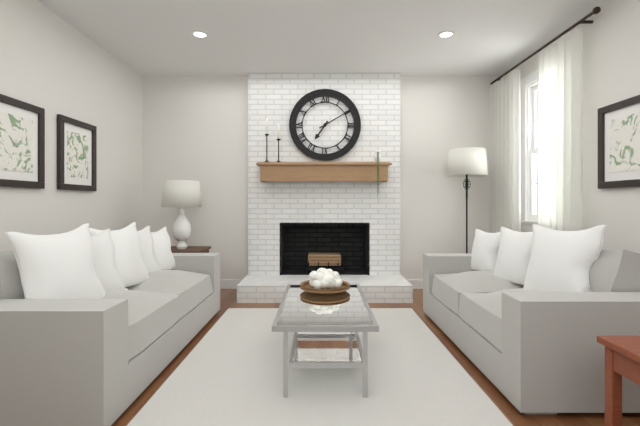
7:10
